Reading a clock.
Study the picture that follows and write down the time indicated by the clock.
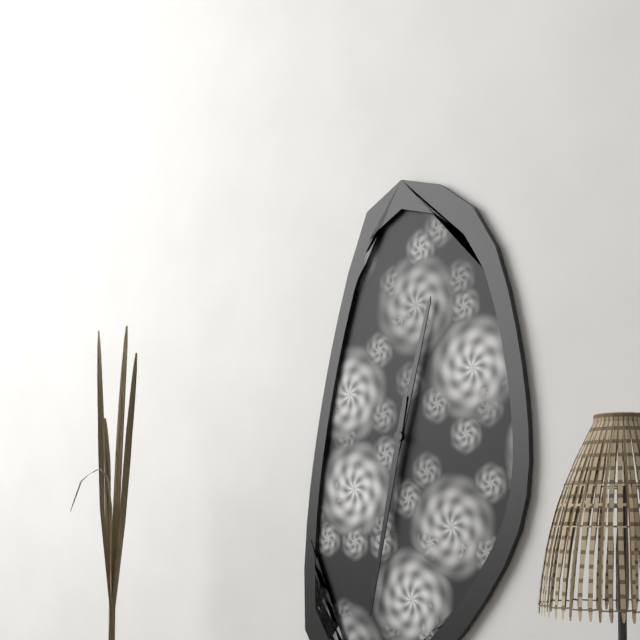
12:32
